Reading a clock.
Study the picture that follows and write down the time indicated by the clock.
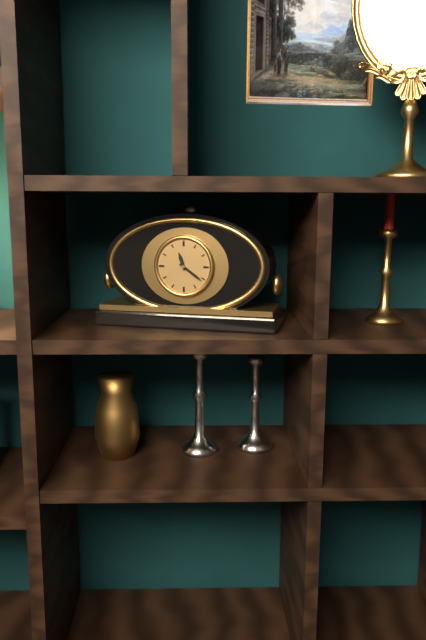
11:21
